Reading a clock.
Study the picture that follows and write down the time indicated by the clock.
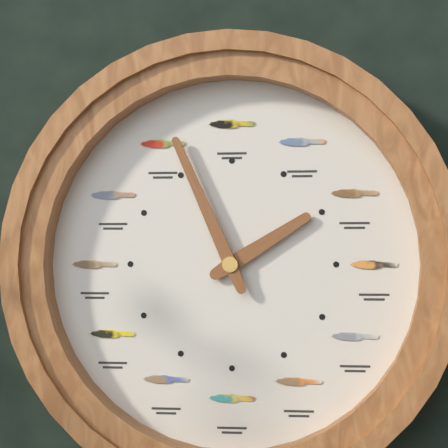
1:56
